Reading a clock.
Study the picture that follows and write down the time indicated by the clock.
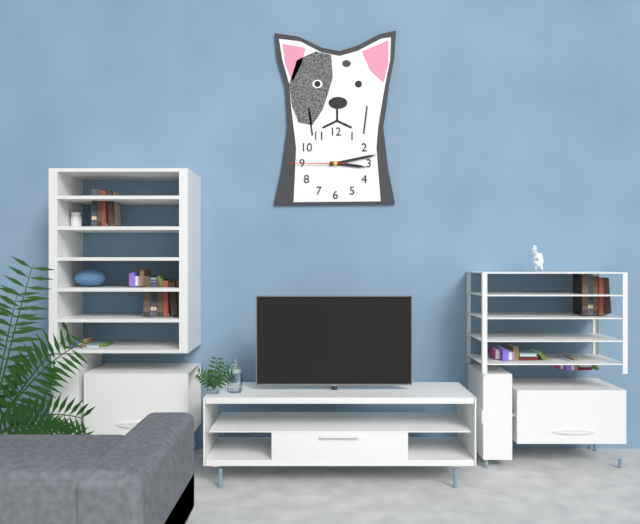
3:13:45
